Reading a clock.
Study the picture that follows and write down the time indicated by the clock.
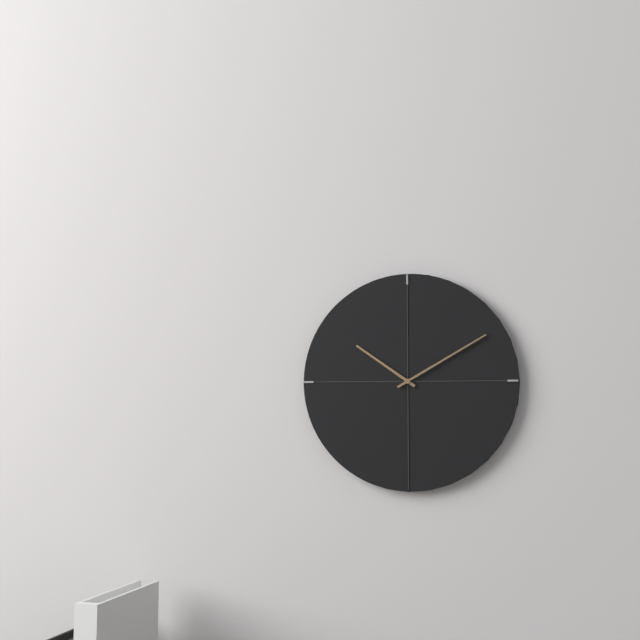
10:10
